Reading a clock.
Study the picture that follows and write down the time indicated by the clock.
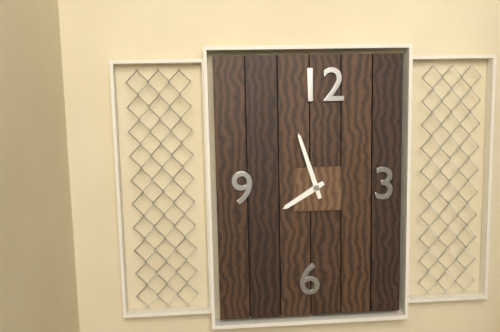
7:57
